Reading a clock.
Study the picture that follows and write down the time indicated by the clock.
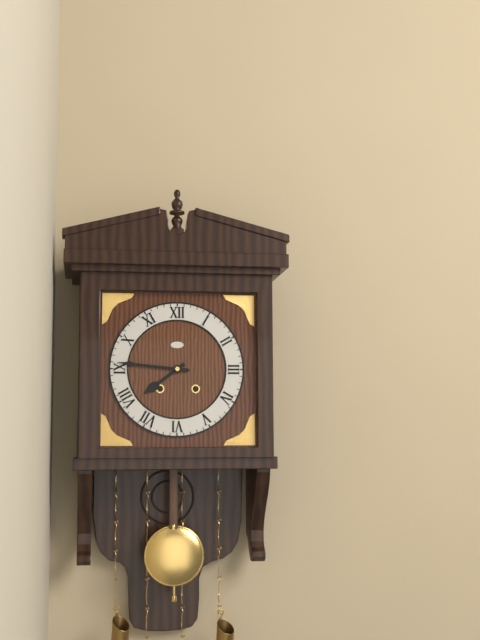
7:46
